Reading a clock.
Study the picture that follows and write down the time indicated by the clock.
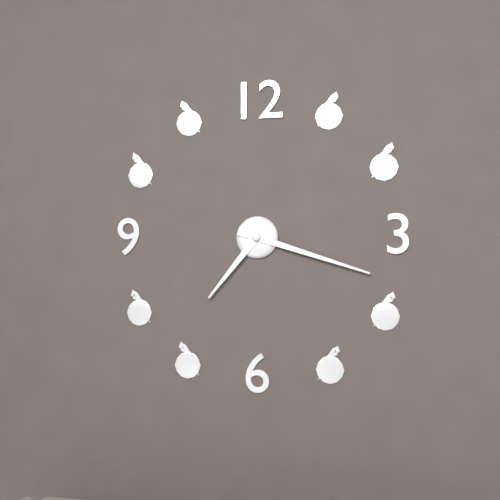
7:18
